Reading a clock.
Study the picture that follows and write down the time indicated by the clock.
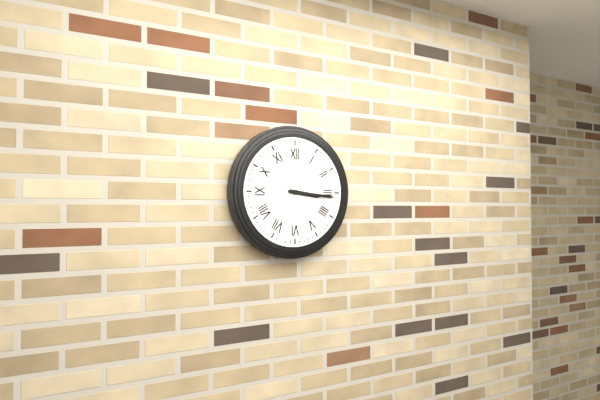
3:16
